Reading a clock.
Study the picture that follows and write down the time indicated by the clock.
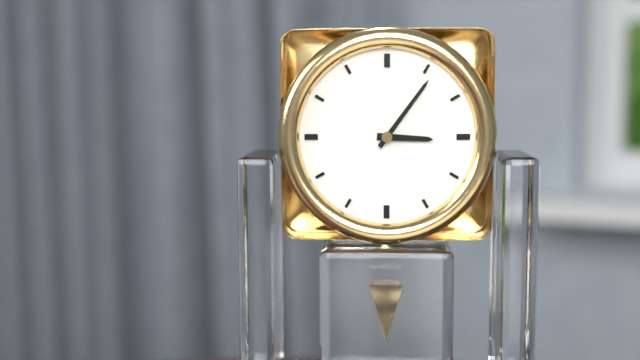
3:06
